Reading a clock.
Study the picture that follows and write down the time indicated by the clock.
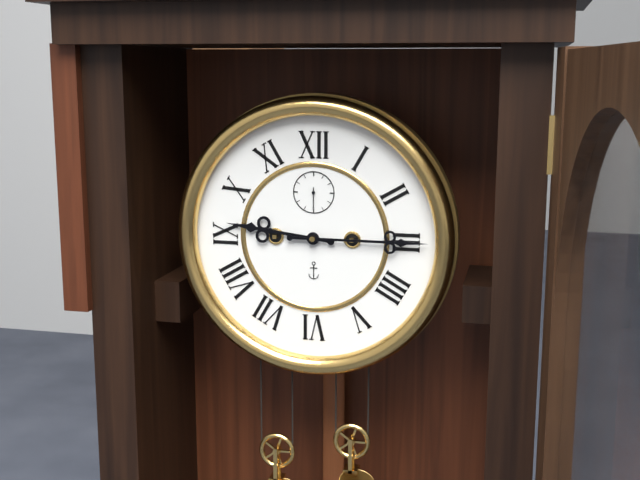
9:15
